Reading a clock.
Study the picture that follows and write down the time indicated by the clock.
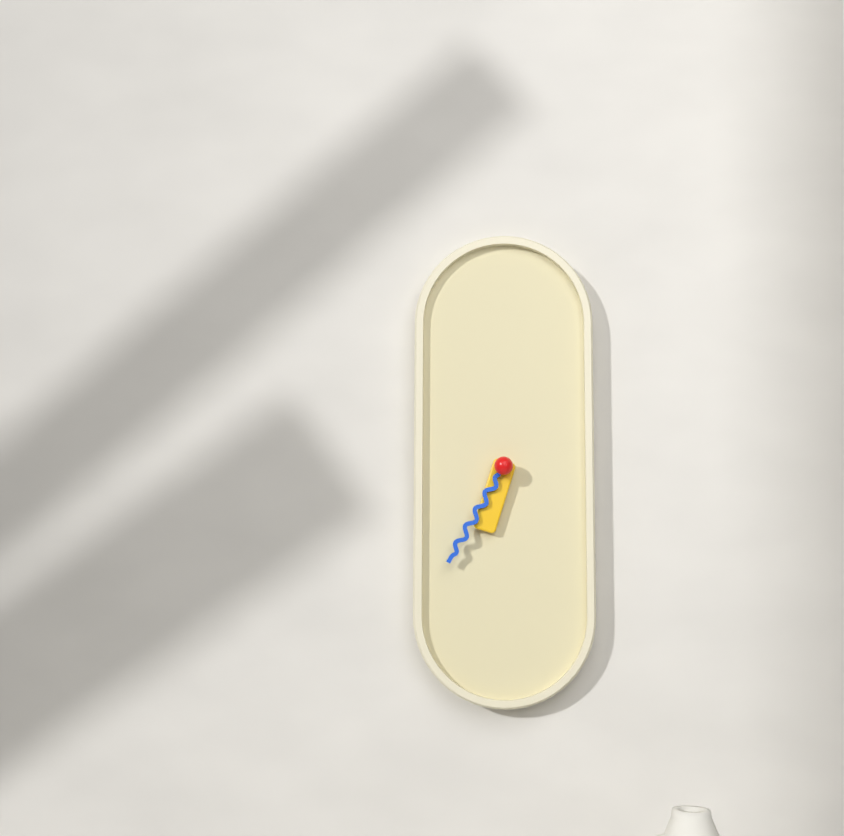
6:35
